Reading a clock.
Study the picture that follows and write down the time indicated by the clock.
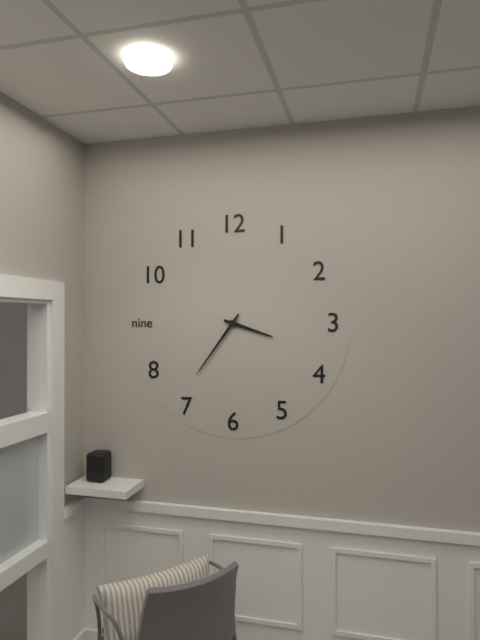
3:36
